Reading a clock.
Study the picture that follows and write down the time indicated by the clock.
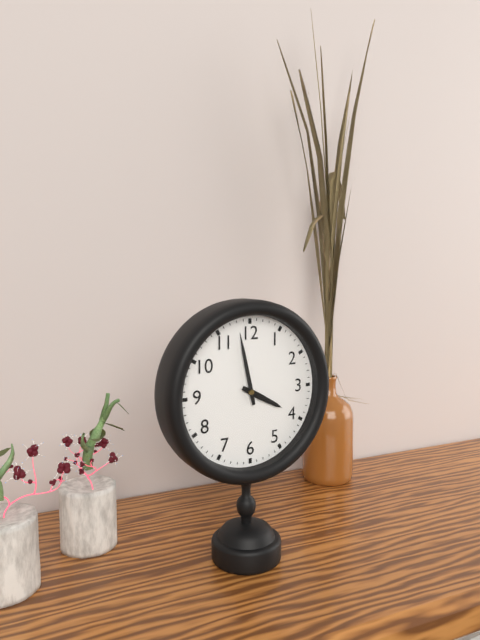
3:58
